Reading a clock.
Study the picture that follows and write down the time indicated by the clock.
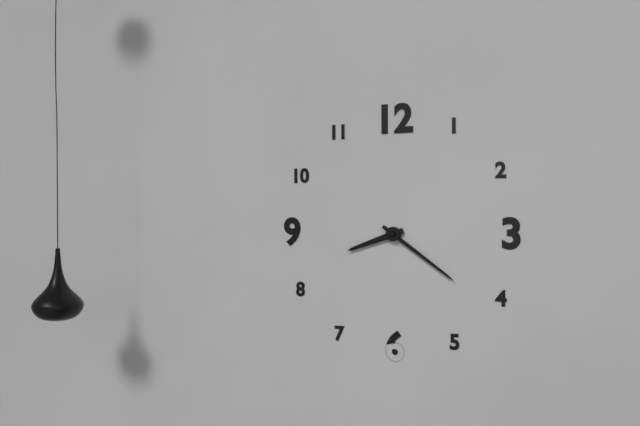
8:21
